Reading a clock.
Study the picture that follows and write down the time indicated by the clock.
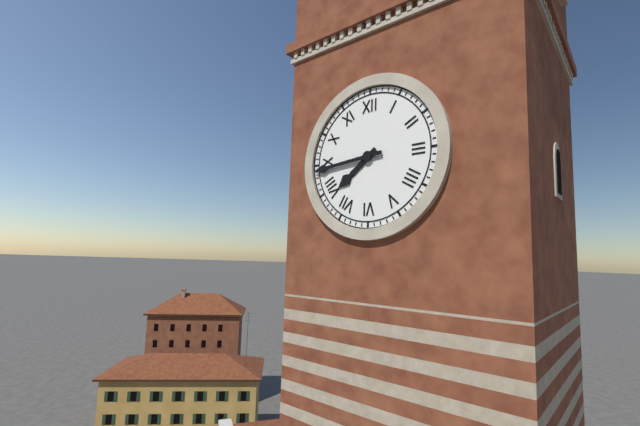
7:44
